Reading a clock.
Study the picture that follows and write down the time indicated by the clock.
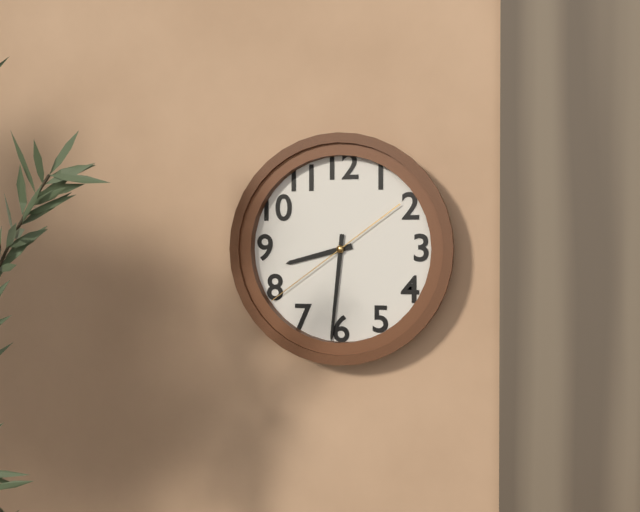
8:31:39
